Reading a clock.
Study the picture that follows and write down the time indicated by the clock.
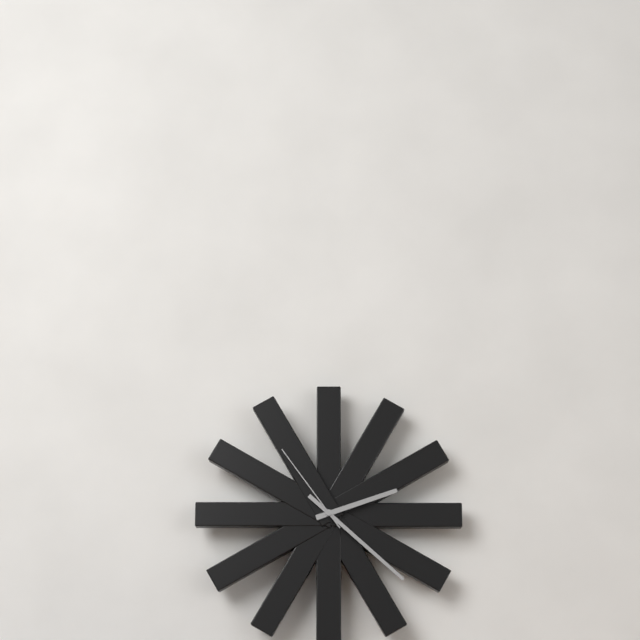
2:22:54
